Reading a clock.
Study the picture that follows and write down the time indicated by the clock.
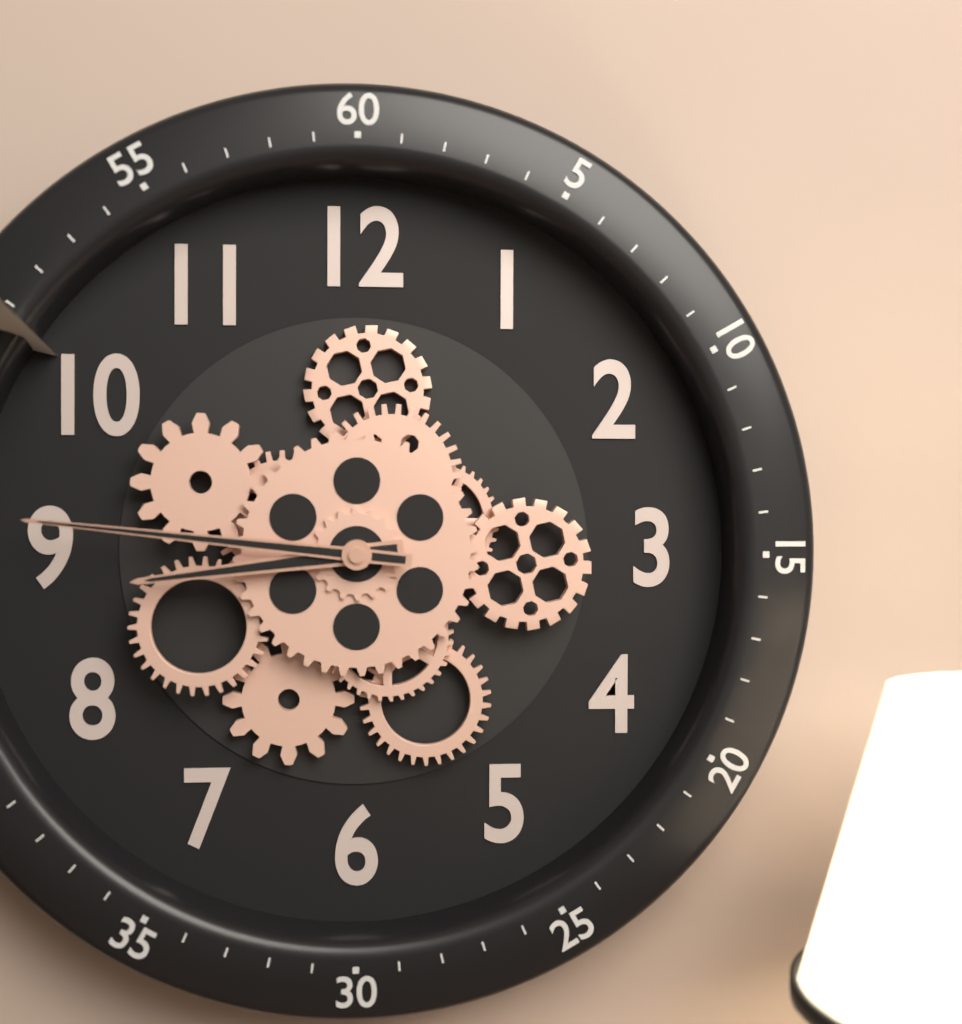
8:46
